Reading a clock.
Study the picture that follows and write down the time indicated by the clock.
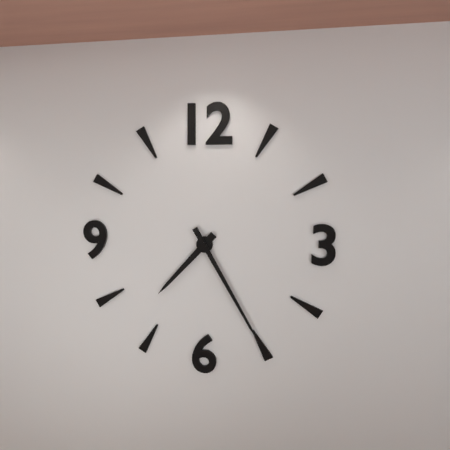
7:25
